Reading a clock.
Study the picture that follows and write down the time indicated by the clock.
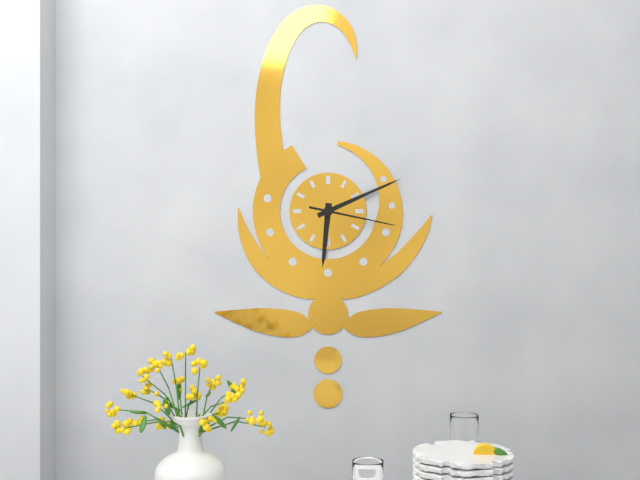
6:11:17
